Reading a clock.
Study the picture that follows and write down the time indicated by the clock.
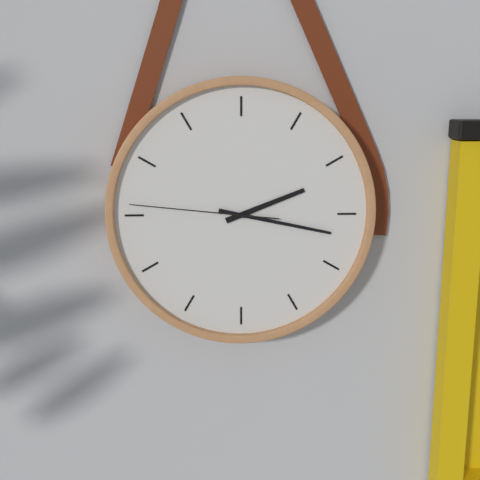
2:17:46
